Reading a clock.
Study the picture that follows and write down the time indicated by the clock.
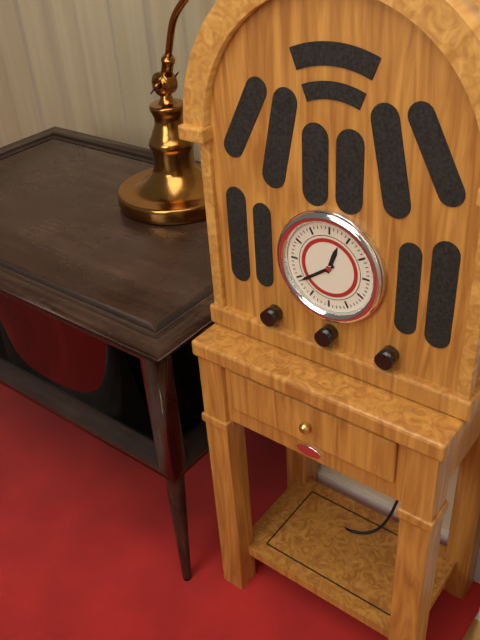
12:39
